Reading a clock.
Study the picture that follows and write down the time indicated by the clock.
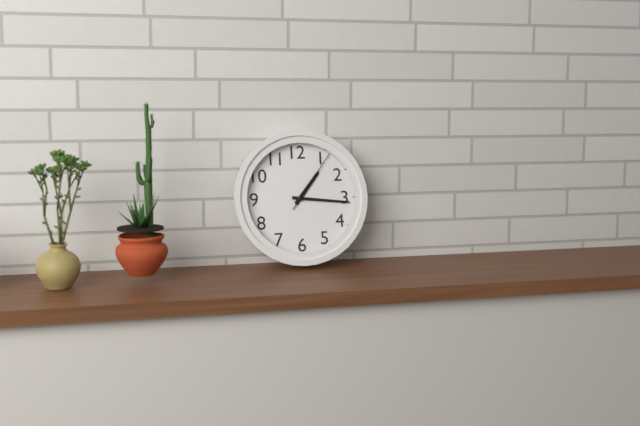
1:16:06
